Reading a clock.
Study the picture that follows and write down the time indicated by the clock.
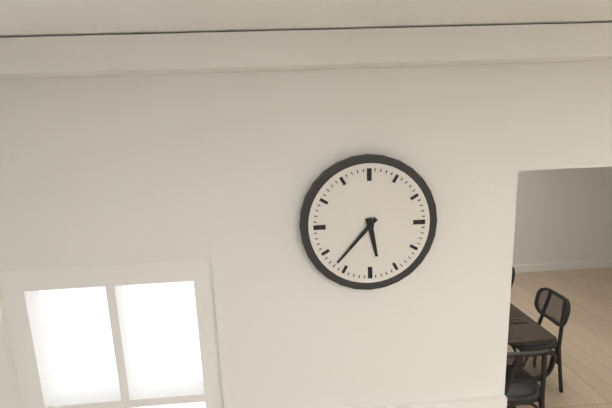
5:37
